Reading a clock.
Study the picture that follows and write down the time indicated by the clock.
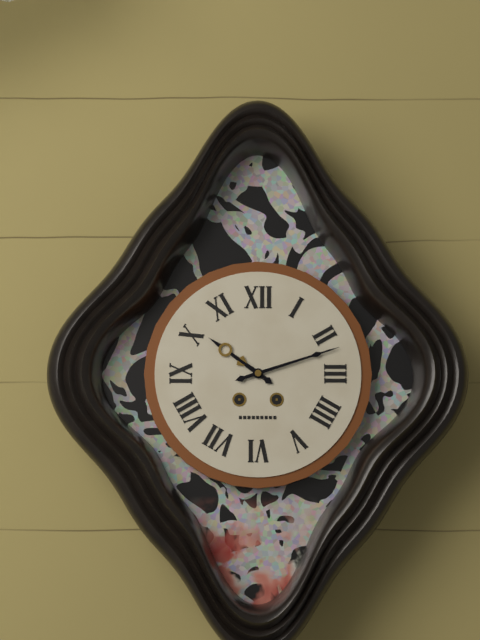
10:12
